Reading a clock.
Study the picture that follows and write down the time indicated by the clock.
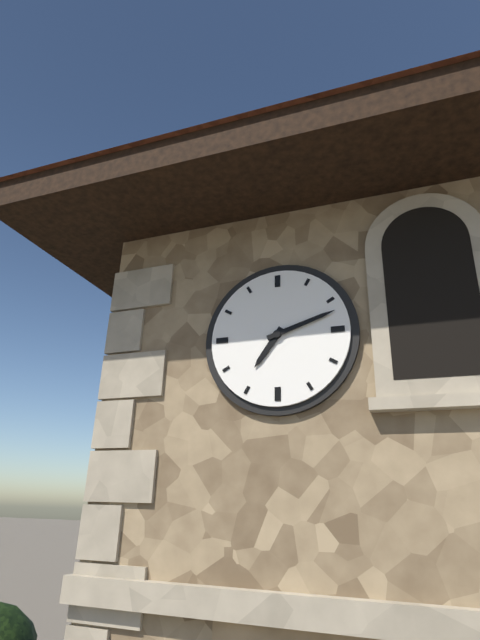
7:12
